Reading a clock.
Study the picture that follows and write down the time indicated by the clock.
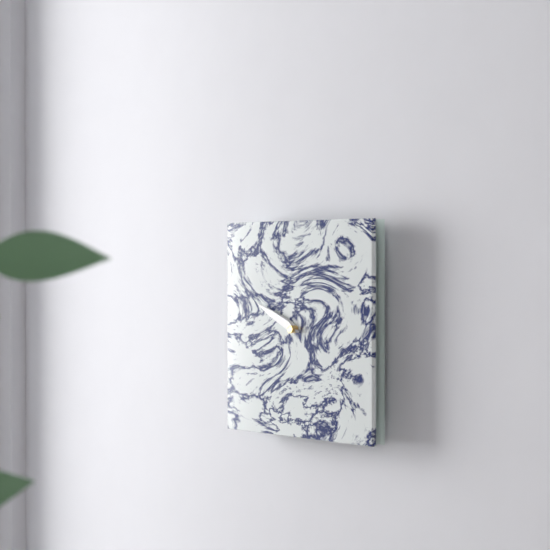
9:49
